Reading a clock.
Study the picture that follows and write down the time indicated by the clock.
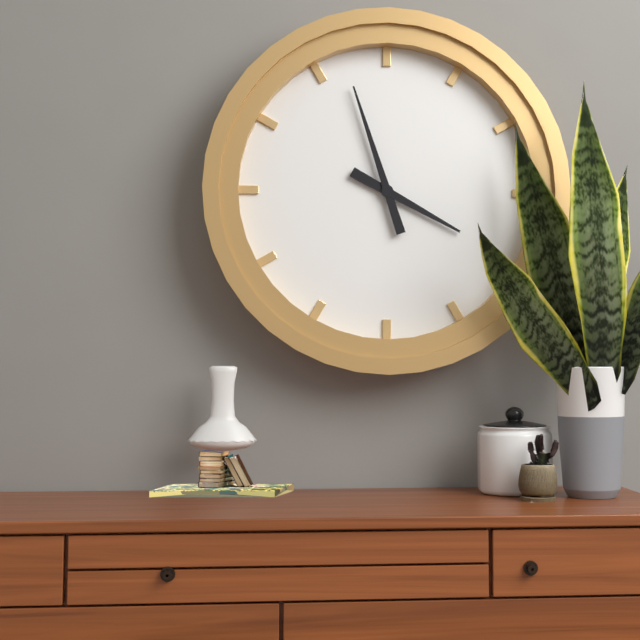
3:57
